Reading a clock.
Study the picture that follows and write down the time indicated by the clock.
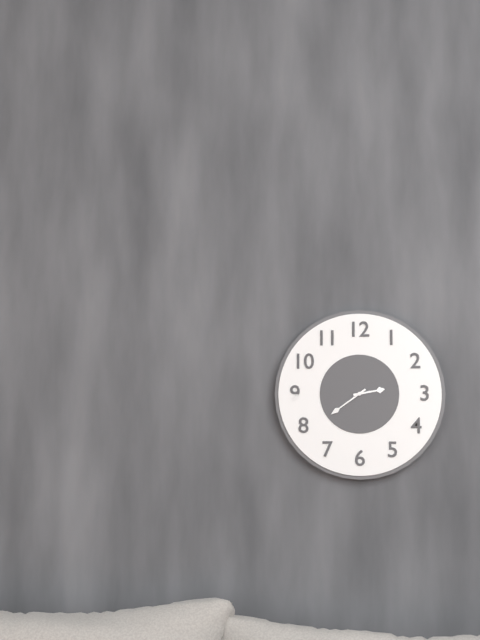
2:39
